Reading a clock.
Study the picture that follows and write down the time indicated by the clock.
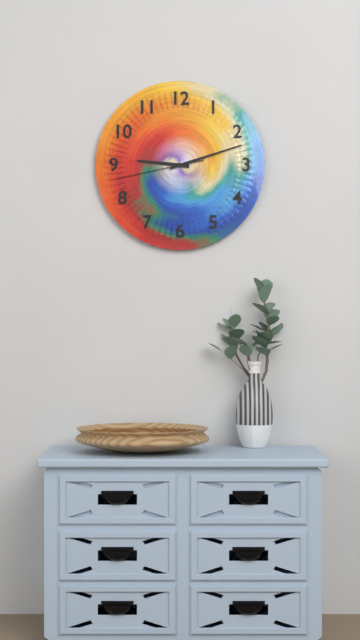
9:12:43
